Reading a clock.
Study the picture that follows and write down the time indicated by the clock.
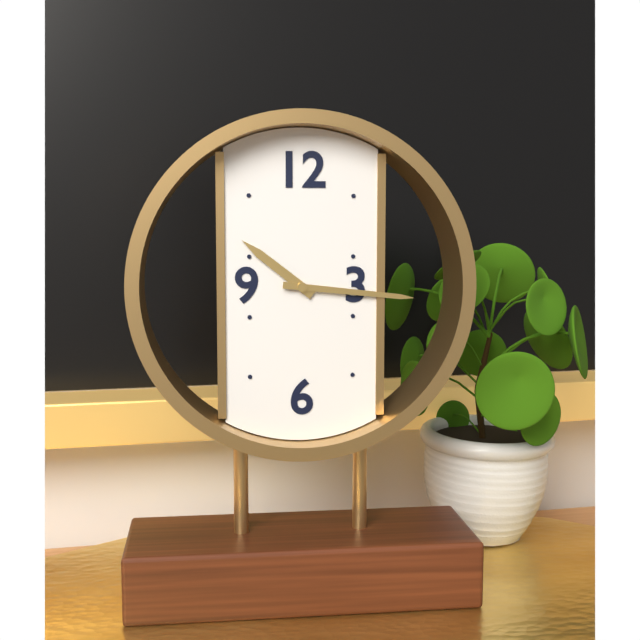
10:16
